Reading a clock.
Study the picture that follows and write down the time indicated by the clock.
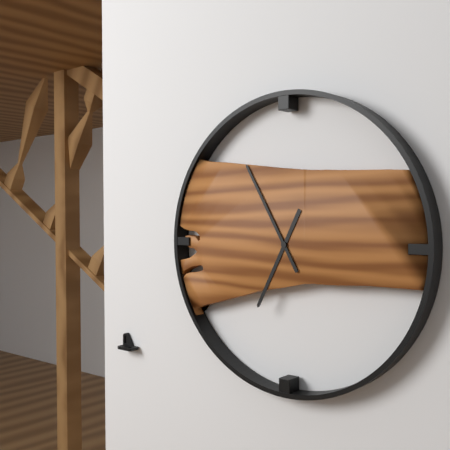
6:55
